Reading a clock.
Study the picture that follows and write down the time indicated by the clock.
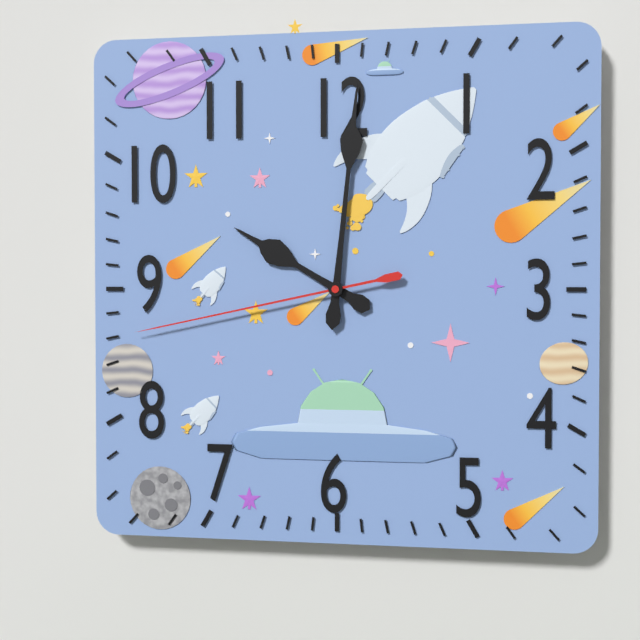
10:01:43
